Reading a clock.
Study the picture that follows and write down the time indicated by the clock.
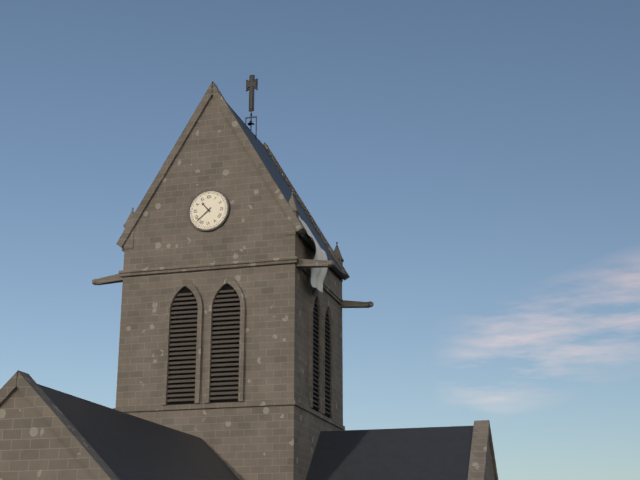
10:38
